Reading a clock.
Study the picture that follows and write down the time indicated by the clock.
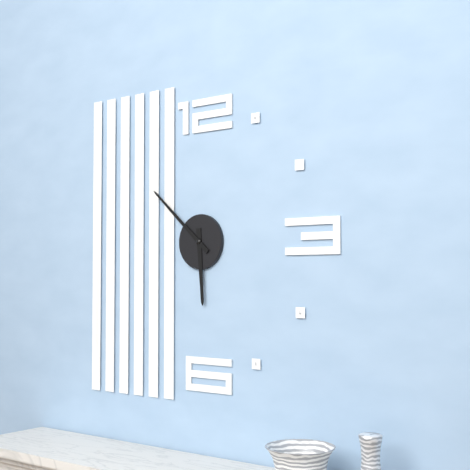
5:52
